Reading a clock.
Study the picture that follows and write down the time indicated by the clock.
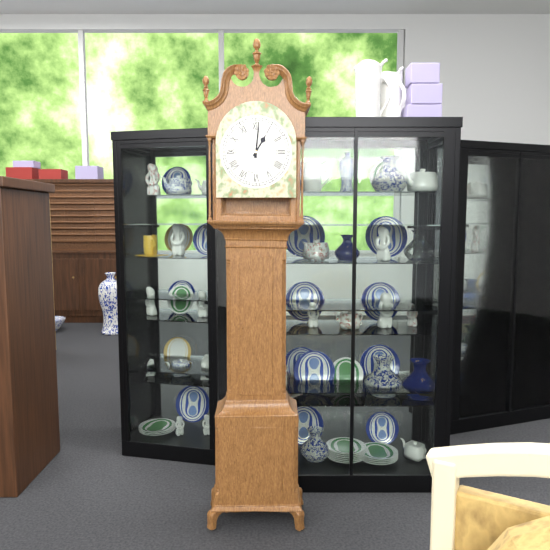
1:01
